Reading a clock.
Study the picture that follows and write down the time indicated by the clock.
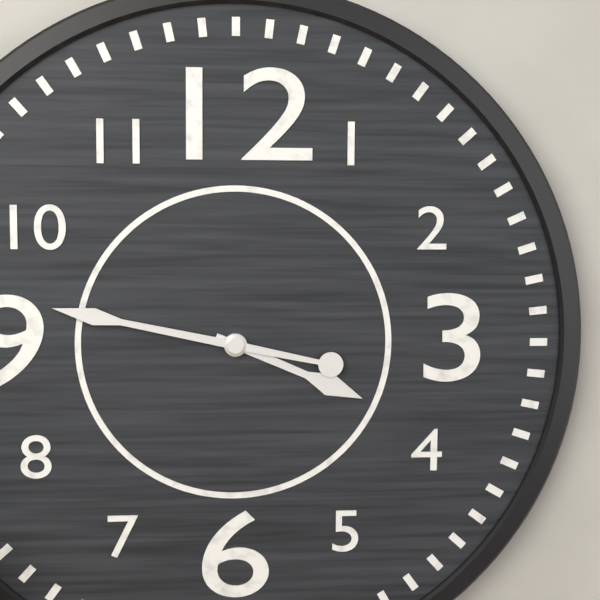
3:47
